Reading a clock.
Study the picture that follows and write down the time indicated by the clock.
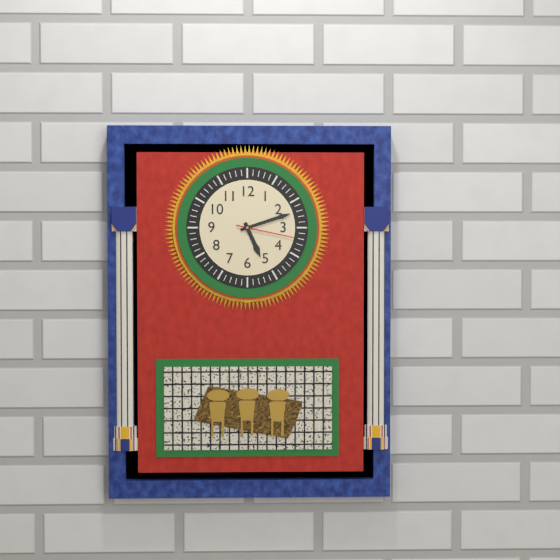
5:12:17
